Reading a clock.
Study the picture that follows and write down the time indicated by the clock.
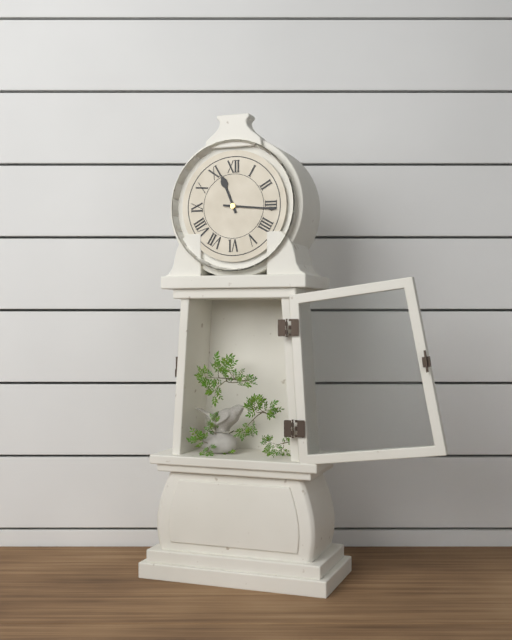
11:16
